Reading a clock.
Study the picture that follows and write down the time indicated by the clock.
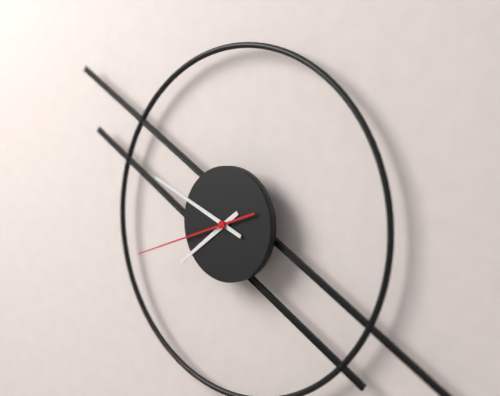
7:49:42
